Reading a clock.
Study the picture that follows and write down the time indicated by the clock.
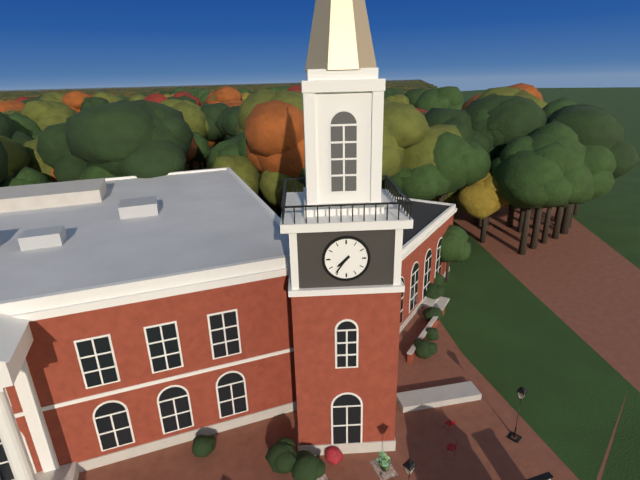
7:36
